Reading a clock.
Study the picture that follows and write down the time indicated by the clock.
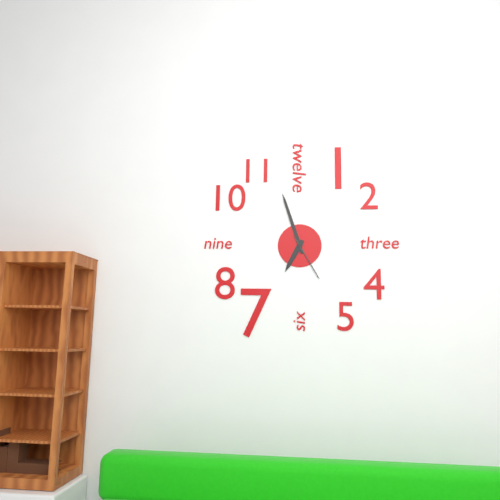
6:57
